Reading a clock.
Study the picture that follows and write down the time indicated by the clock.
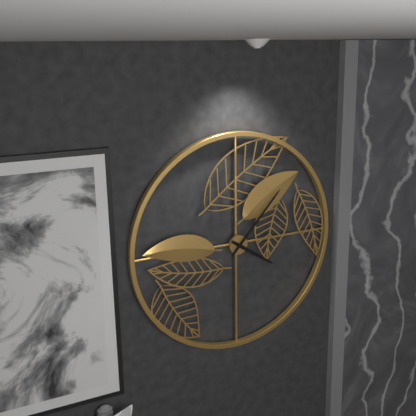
4:07
